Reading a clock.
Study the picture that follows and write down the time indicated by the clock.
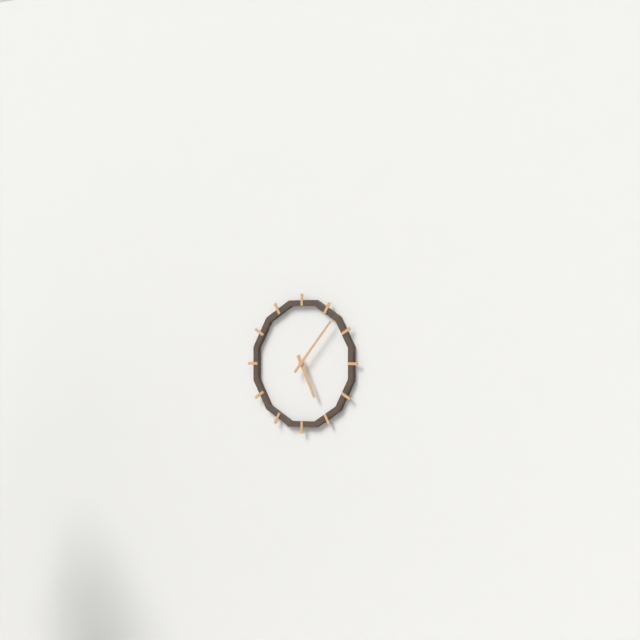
5:07
